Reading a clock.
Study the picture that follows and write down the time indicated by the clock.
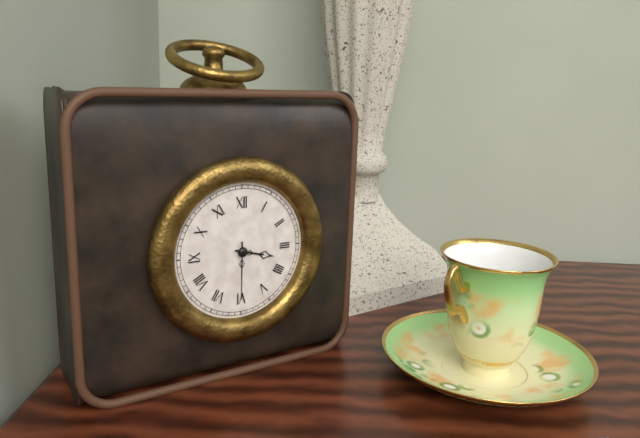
3:30
